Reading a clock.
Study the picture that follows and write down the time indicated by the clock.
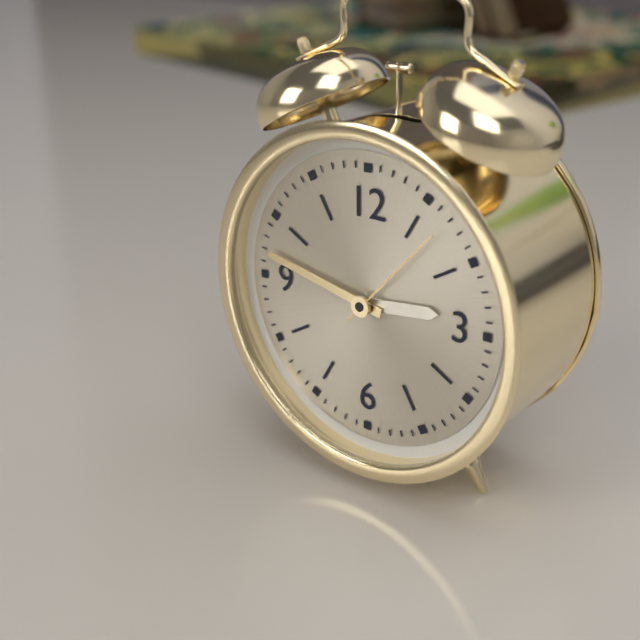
2:47:07
